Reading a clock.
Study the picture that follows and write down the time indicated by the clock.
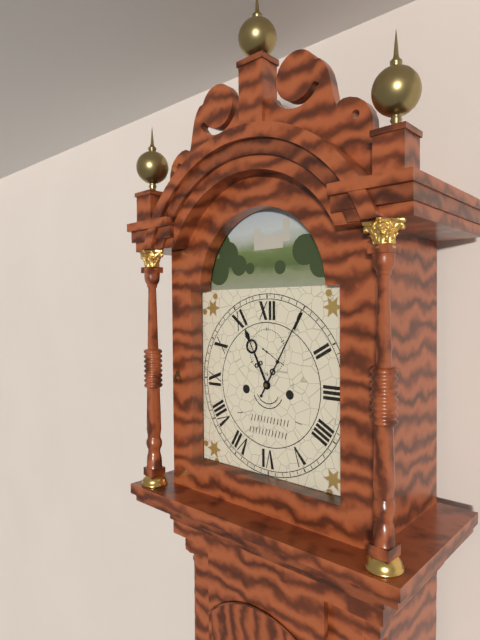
11:05
